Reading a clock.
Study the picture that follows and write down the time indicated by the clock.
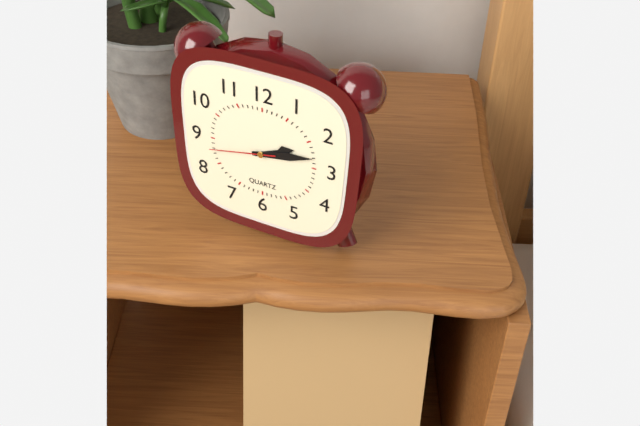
2:13:43
